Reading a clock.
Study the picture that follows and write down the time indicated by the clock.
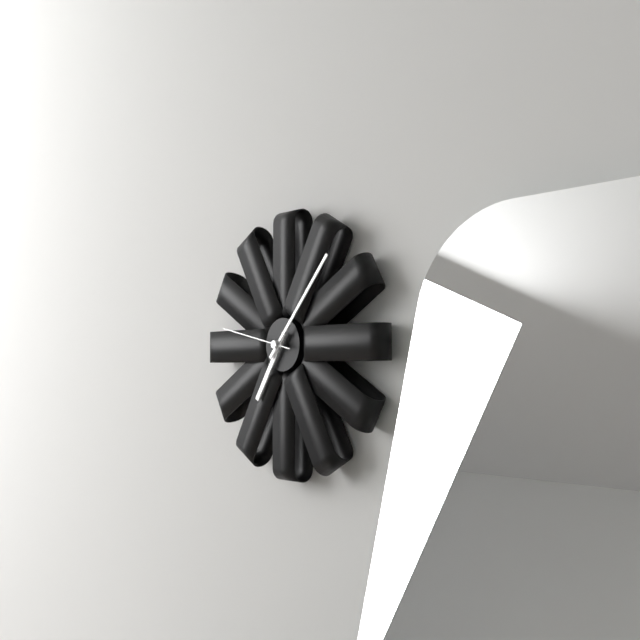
7:07:47
